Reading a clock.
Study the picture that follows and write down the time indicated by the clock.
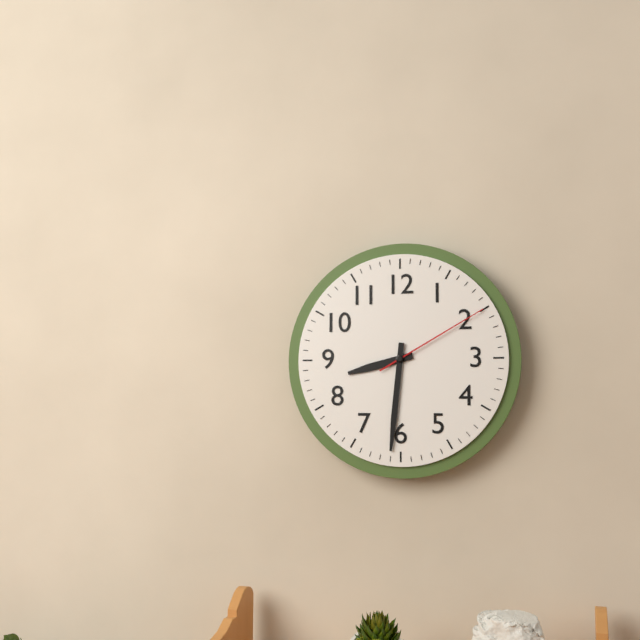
8:31:10
